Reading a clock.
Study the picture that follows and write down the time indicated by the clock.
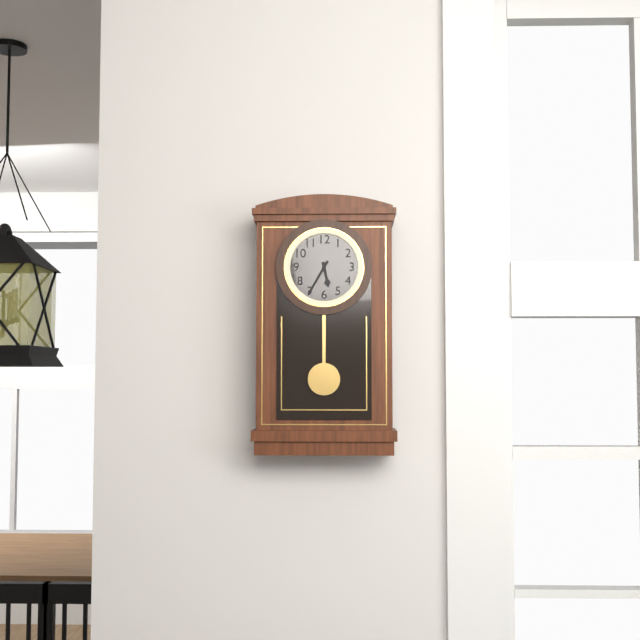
5:35
